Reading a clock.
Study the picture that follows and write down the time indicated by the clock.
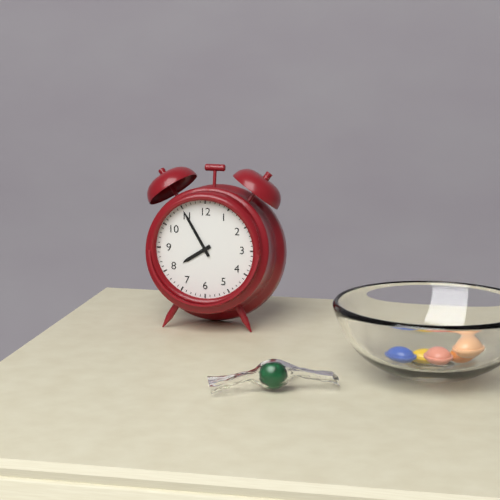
7:55
